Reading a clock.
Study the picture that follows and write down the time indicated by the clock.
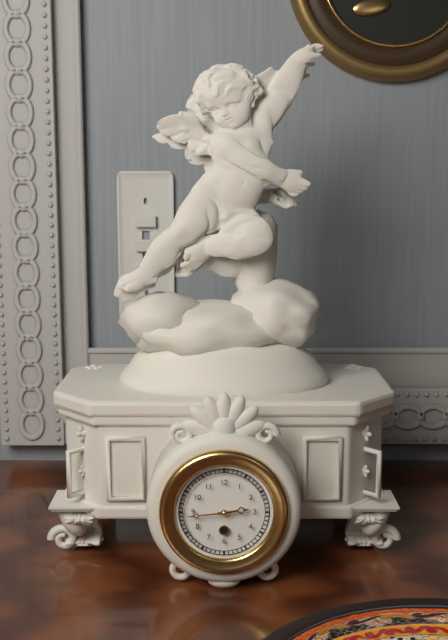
2:44
